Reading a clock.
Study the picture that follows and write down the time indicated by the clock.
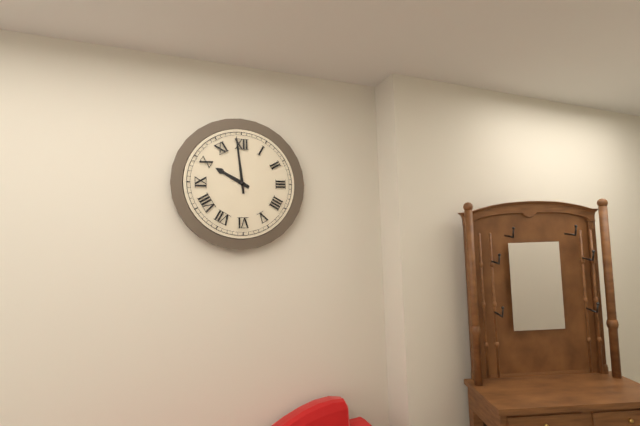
9:59
